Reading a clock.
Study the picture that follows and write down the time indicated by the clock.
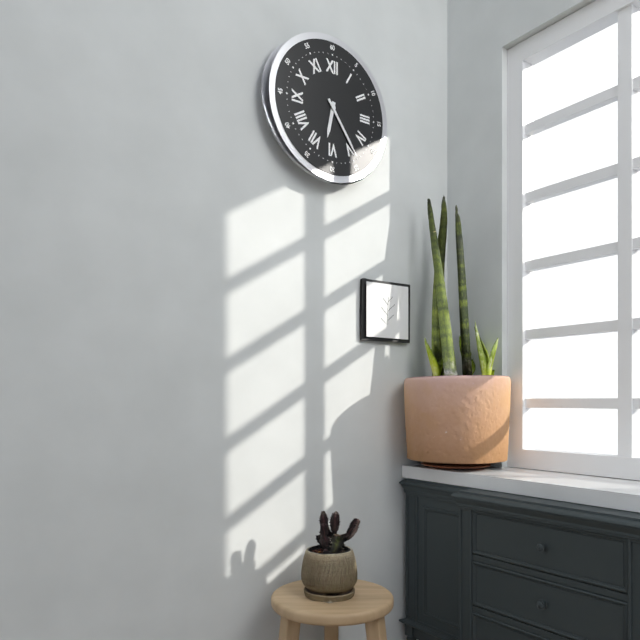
6:24
